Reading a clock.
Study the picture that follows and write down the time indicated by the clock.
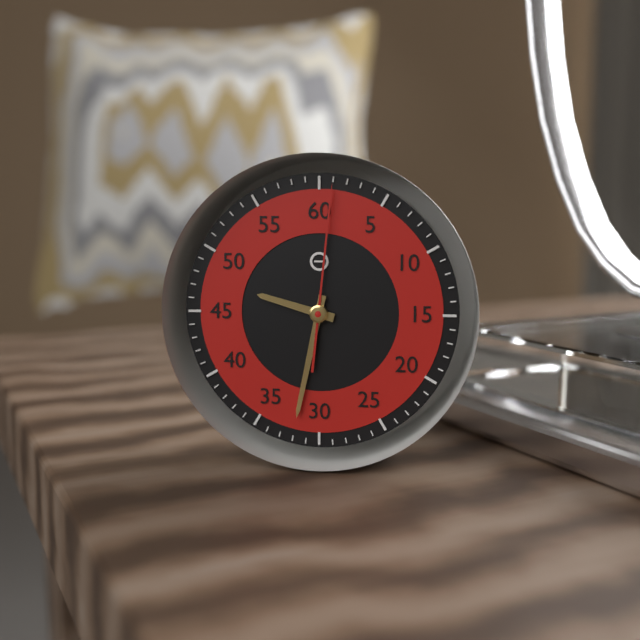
9:32:01
